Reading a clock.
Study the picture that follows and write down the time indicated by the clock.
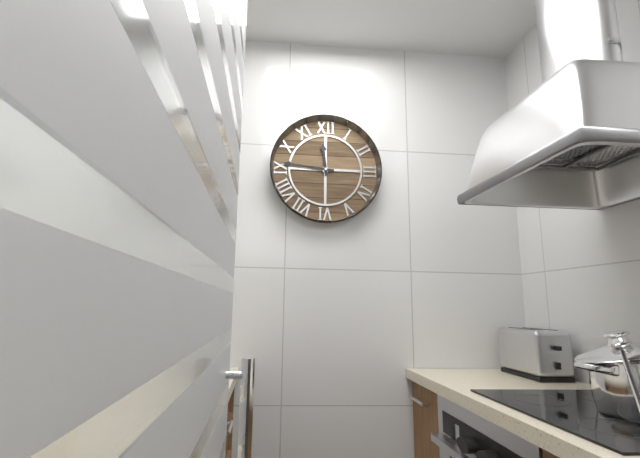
11:46
